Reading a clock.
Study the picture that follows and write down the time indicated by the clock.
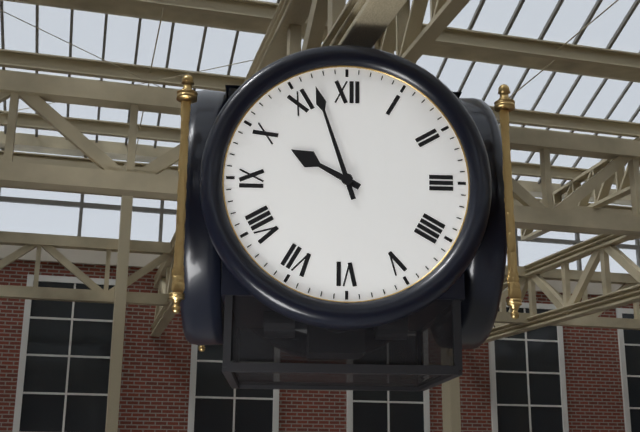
9:57
